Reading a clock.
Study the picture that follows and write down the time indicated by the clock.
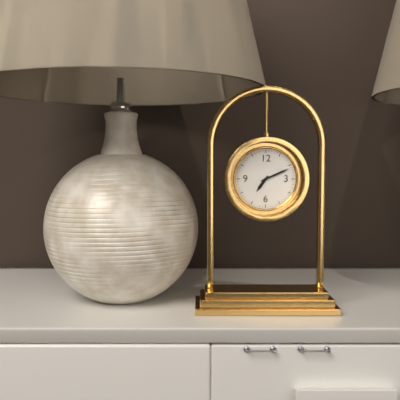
7:11
